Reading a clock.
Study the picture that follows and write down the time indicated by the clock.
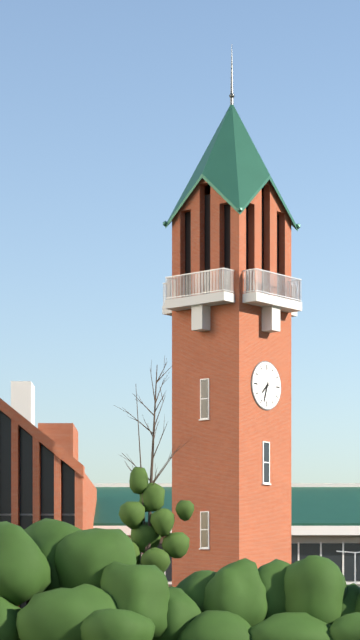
7:33
